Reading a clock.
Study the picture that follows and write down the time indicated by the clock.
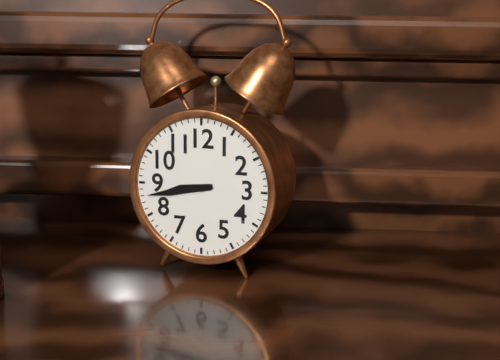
8:43
